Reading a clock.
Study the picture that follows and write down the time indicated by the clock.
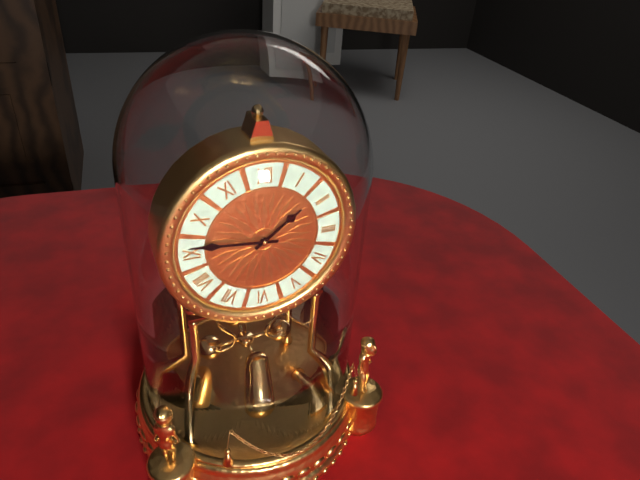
1:46
